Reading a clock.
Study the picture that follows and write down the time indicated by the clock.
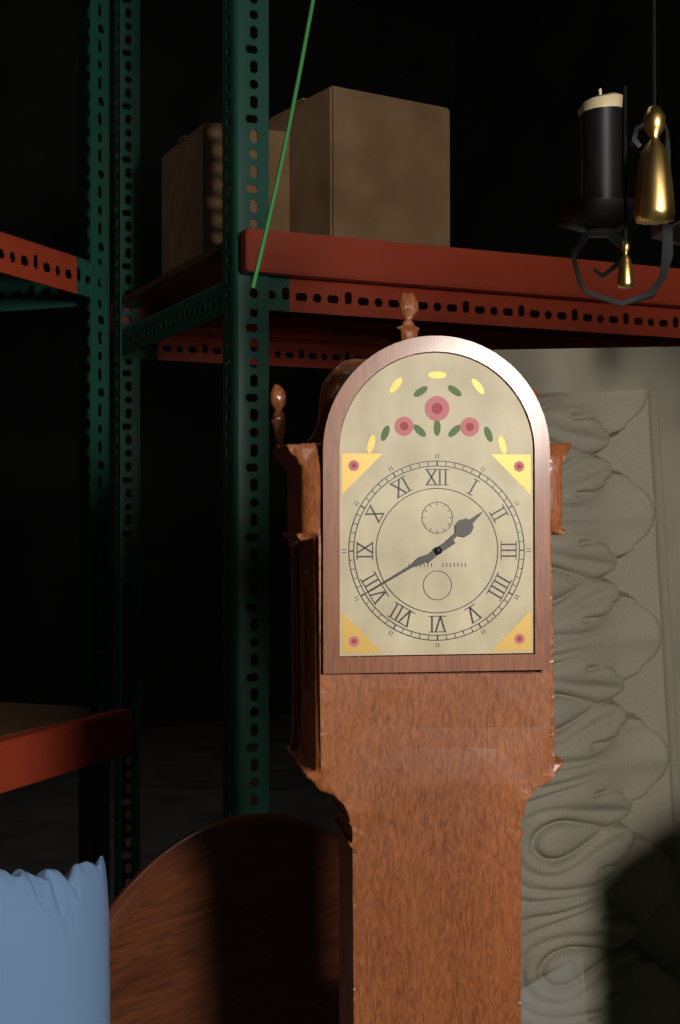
1:40
